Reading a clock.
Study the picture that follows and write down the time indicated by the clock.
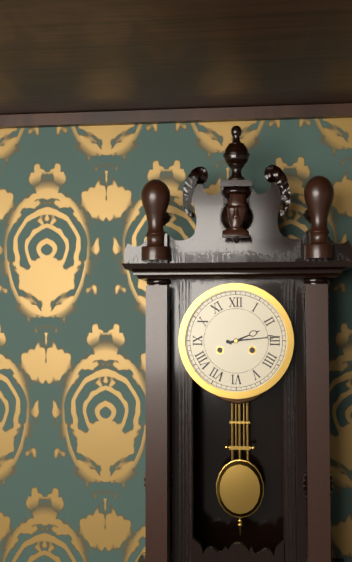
2:14
